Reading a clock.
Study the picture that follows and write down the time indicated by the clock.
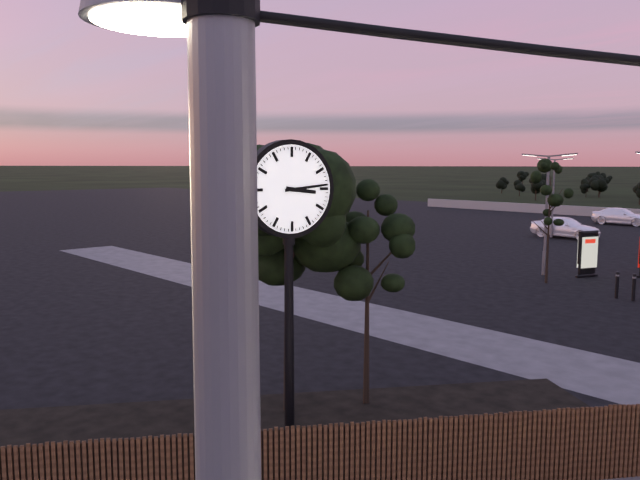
3:14
